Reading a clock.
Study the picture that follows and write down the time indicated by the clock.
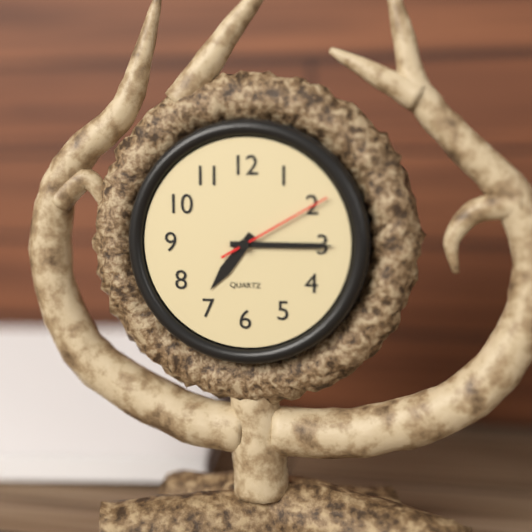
7:15:10
